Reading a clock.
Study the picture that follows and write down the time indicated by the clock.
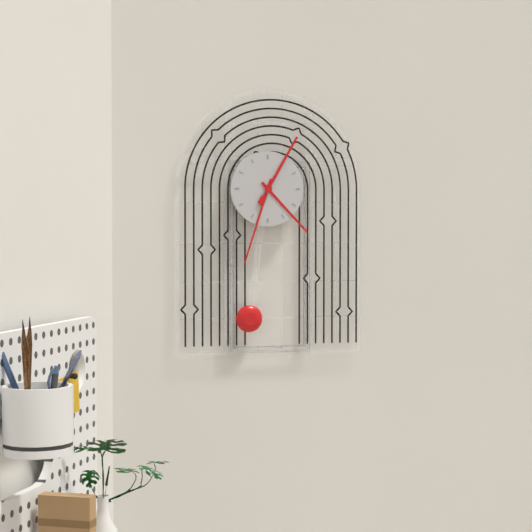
4:33:05
